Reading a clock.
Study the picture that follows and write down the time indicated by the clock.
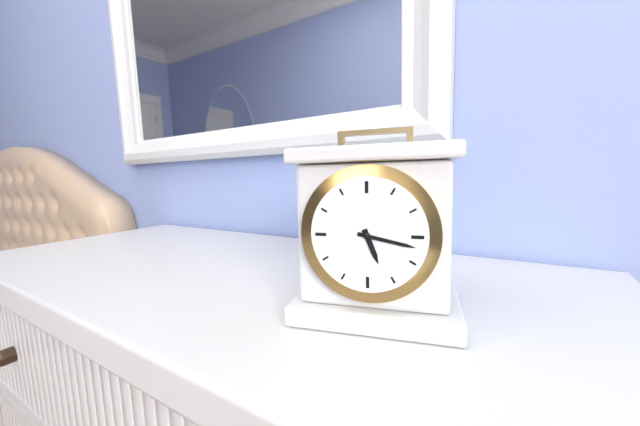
5:17
